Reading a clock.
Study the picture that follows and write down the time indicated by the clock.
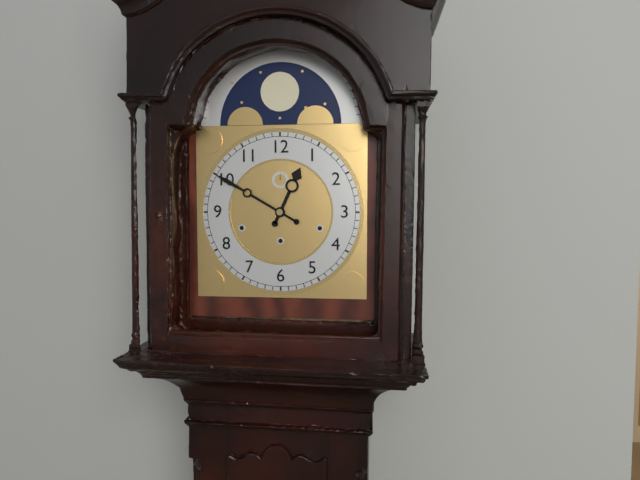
12:50
